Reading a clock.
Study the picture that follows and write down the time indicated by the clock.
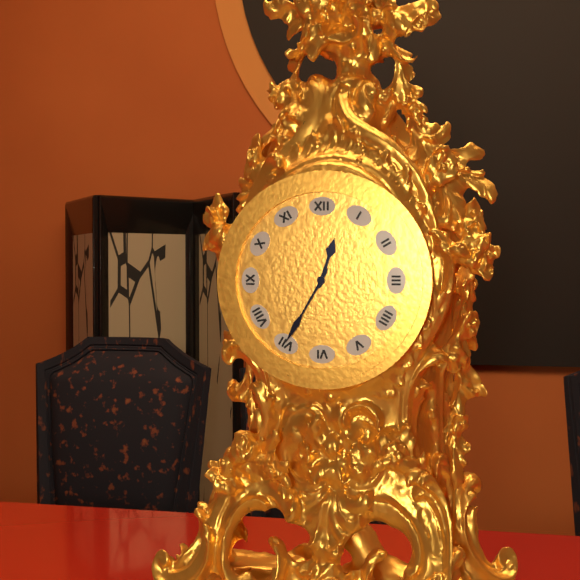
12:35
